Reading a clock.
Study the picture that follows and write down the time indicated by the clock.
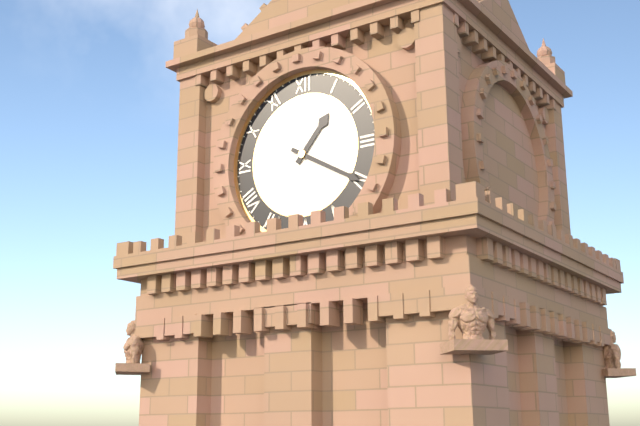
1:20
